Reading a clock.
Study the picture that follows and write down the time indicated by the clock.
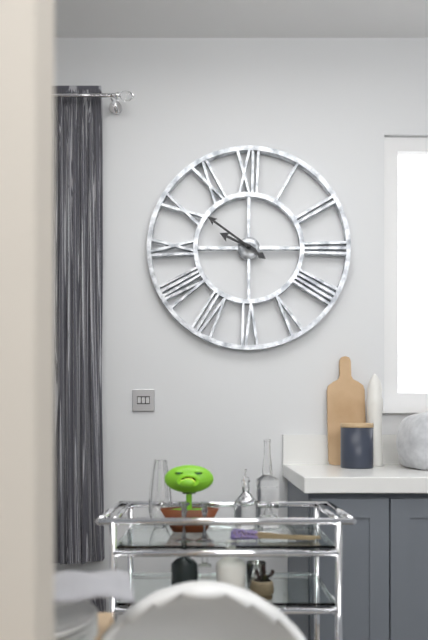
9:51
